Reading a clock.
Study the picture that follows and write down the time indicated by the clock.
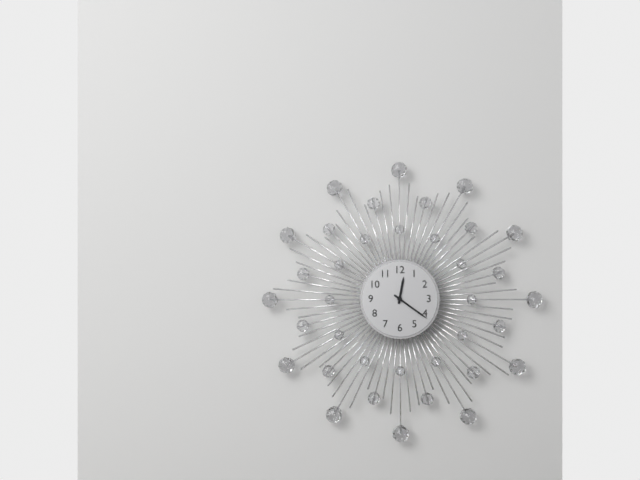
12:21
